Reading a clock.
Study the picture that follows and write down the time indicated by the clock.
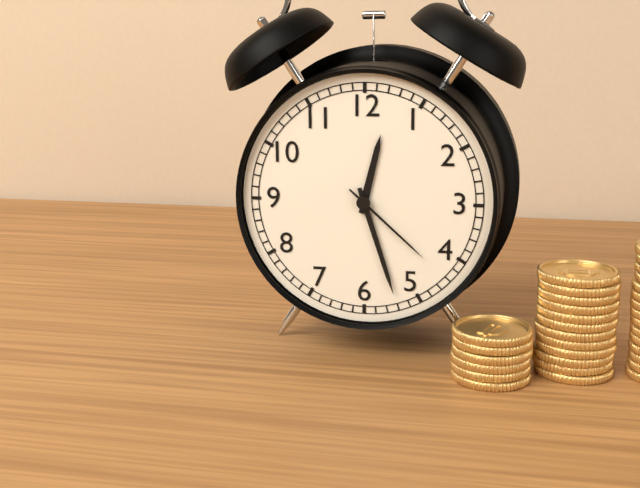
12:27:22
